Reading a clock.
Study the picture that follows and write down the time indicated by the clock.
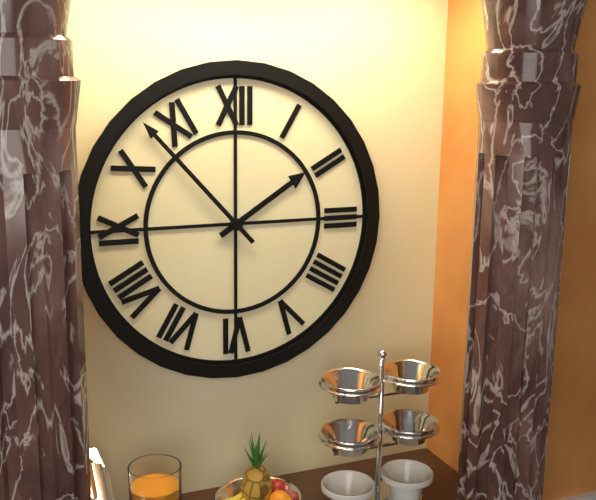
1:53
